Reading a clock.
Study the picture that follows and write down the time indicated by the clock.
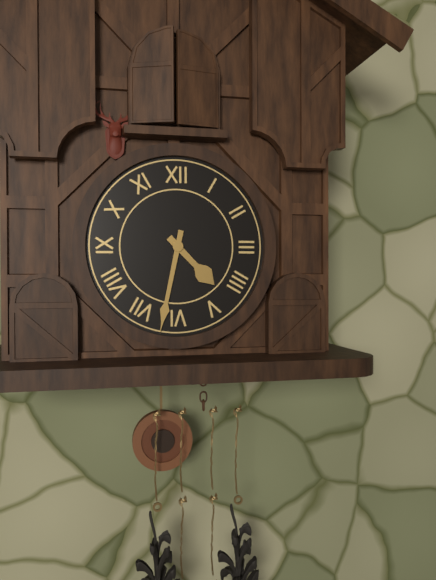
4:32
